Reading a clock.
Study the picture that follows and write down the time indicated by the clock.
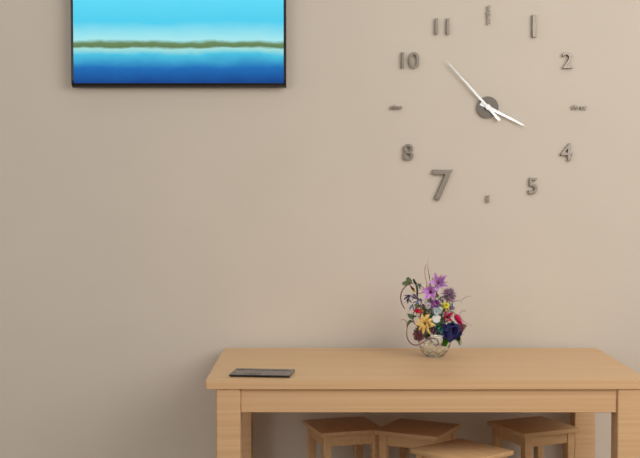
3:53
